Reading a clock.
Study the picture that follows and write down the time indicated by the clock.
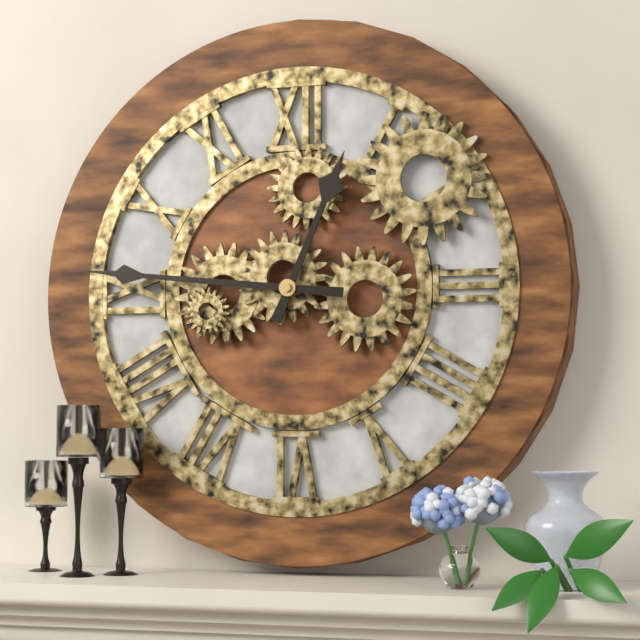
12:46
